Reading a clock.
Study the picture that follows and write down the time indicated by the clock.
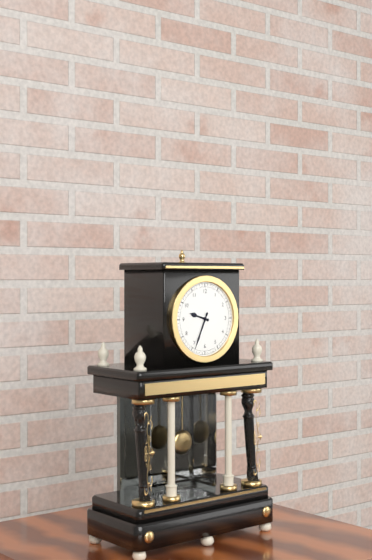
9:34
